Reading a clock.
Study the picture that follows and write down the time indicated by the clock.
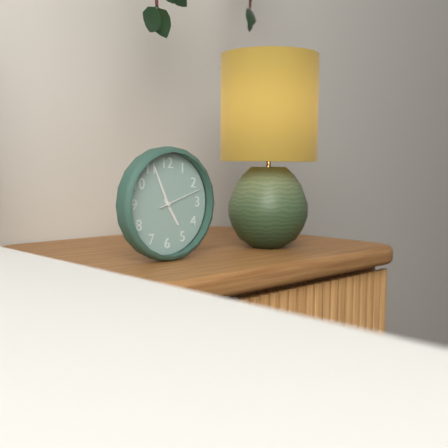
4:56
